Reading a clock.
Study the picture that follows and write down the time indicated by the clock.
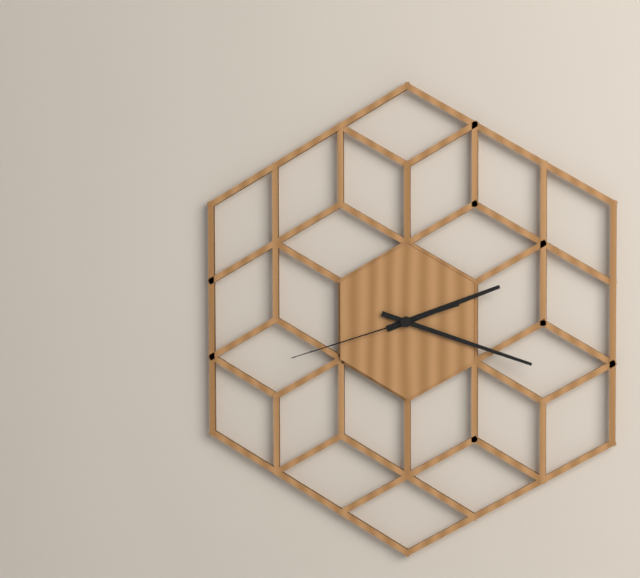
2:18:42
